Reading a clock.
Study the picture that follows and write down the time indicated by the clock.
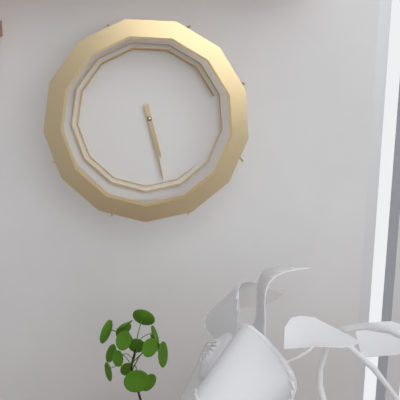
5:28
